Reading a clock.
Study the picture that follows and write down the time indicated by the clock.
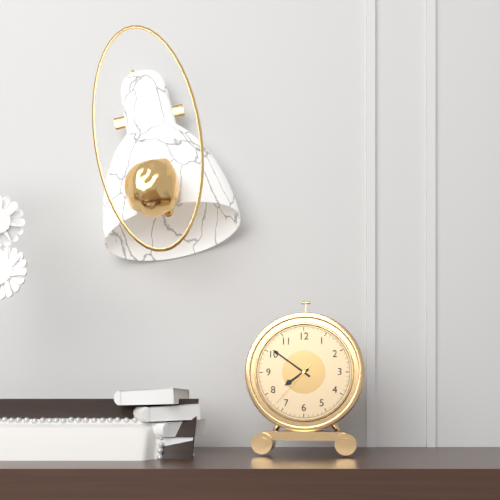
7:51:37
